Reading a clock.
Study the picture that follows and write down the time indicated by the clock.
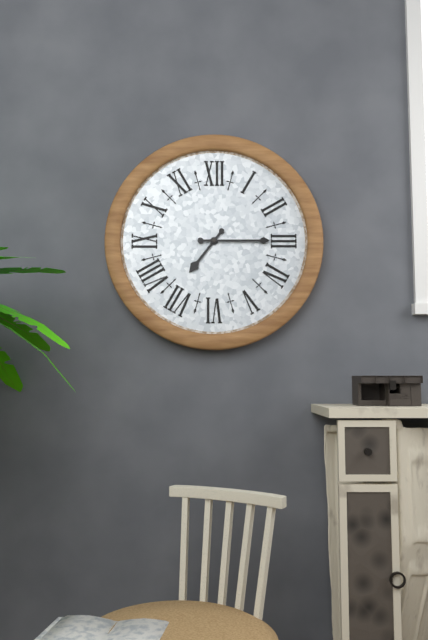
7:15
